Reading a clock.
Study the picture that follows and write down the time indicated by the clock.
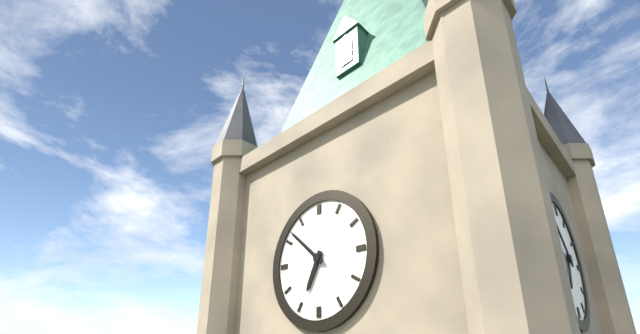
6:52
